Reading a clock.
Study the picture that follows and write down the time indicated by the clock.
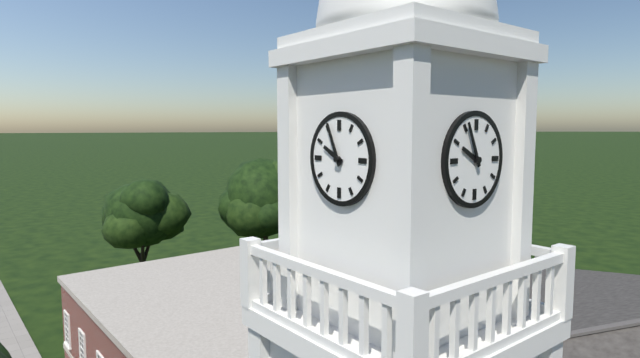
9:56
